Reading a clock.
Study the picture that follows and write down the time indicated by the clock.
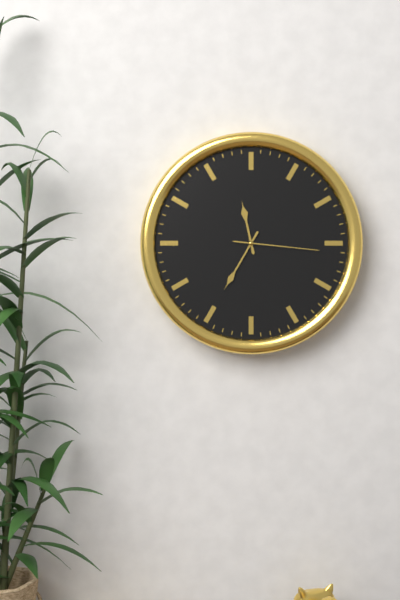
11:35:16
